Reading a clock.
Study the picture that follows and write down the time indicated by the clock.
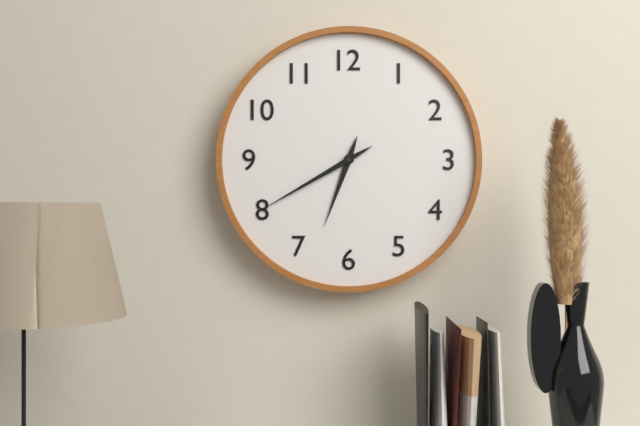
6:40
